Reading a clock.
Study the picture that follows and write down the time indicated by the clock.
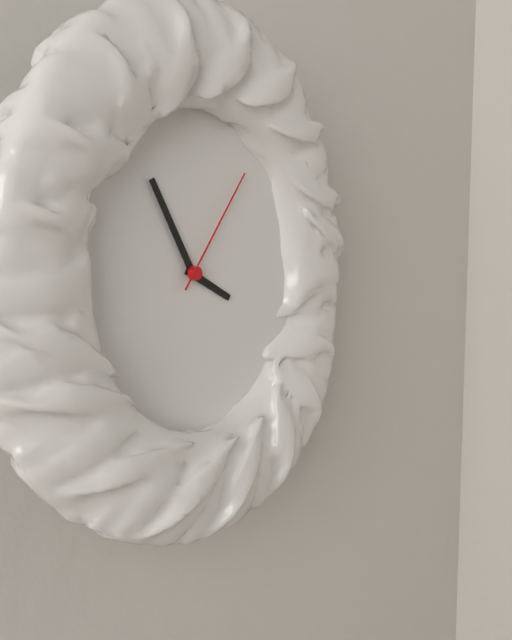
3:55:06
